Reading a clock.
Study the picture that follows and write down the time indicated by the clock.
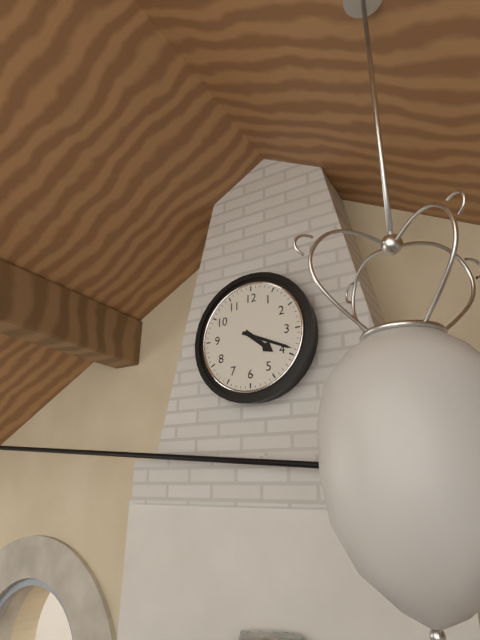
4:19
